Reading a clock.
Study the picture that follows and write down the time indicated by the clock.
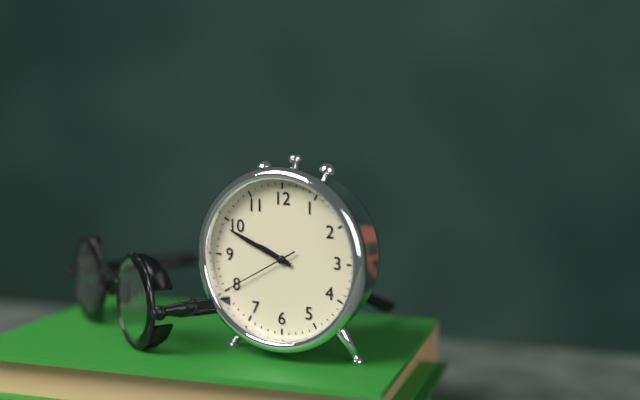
9:49:40
